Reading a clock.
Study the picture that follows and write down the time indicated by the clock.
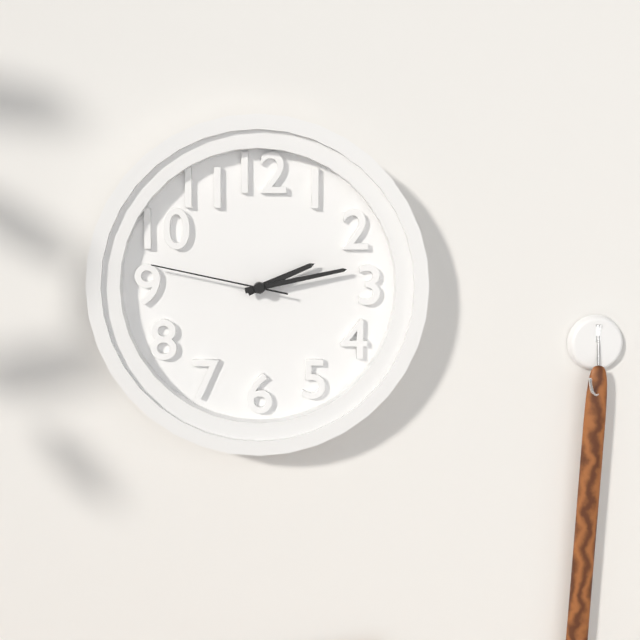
2:13:47
